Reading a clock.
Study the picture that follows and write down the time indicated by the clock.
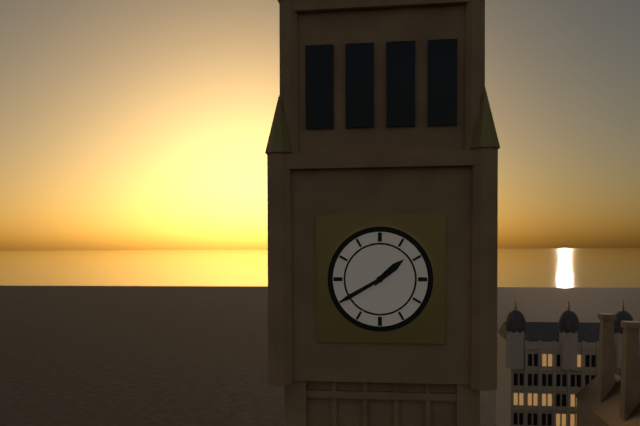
1:40
